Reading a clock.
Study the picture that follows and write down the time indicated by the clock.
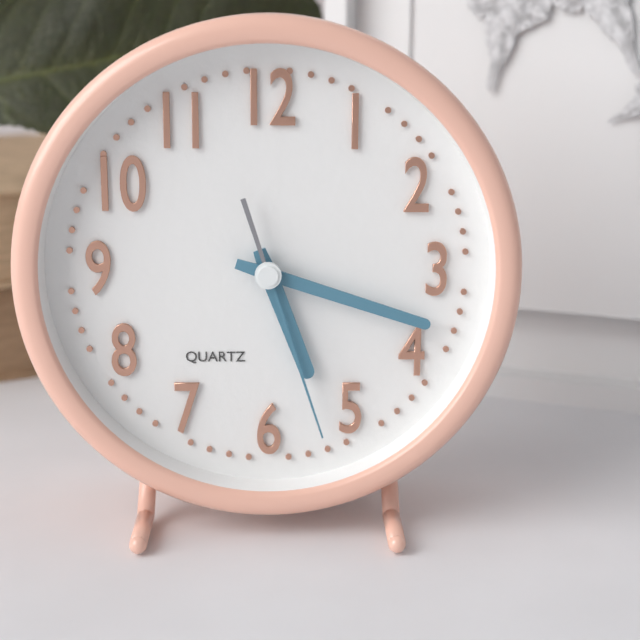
5:18:27
